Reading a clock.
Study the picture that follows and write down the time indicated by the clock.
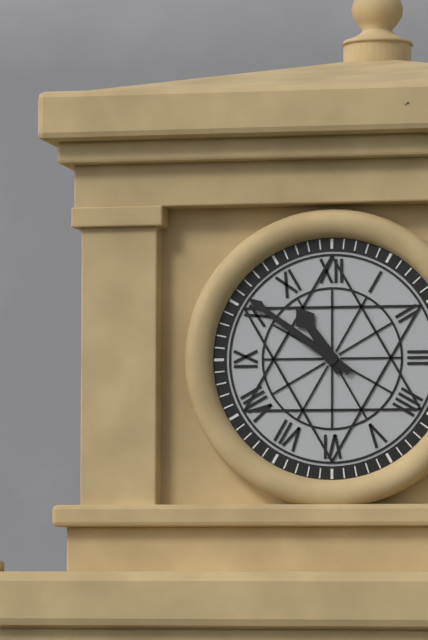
10:51
